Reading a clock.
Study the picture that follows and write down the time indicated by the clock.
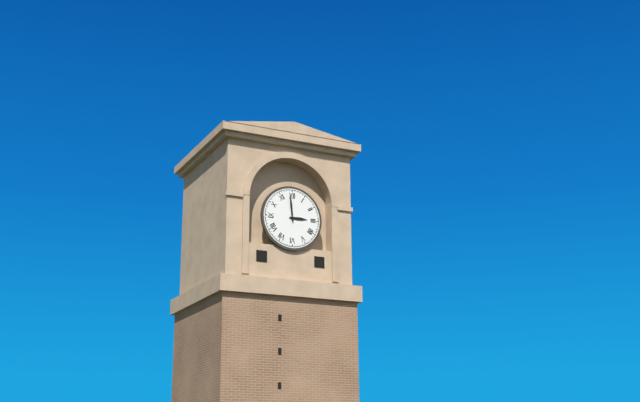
2:59
